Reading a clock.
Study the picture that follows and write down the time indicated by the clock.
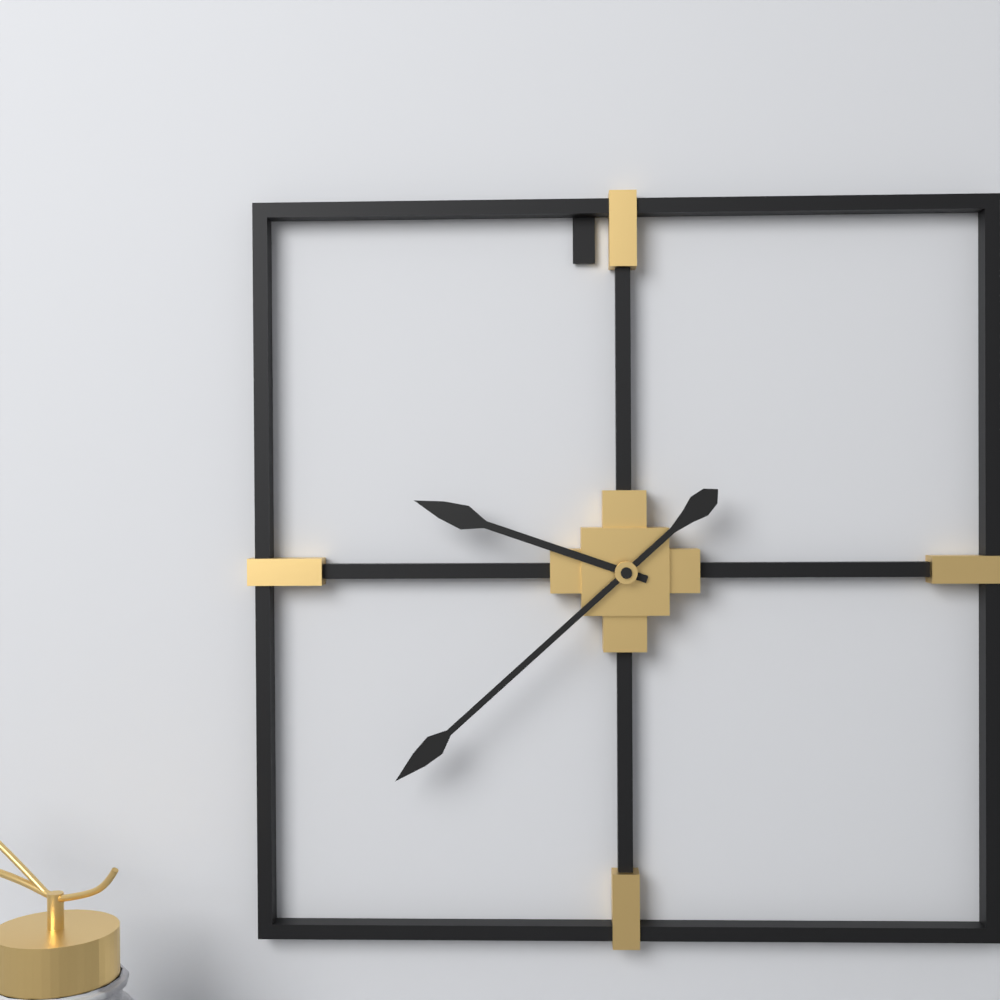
9:38
